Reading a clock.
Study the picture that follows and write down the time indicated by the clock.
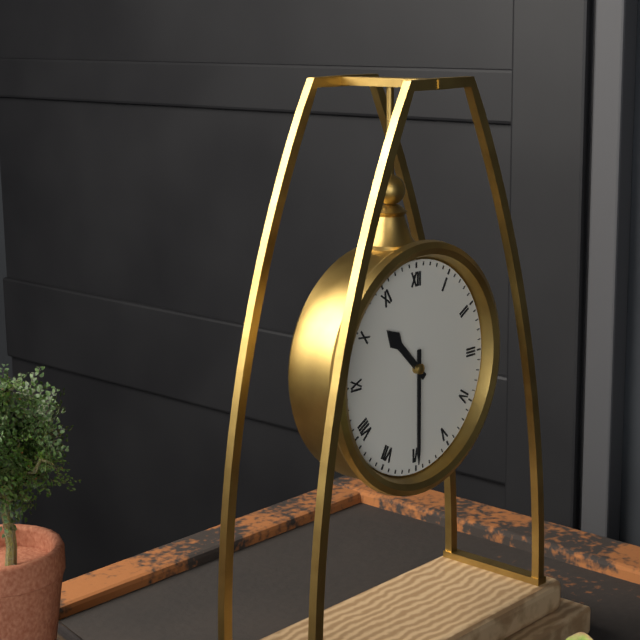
10:30
